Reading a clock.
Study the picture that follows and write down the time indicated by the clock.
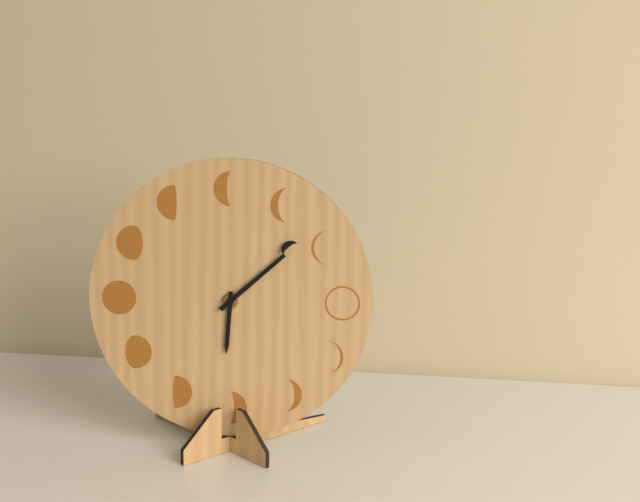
6:08
